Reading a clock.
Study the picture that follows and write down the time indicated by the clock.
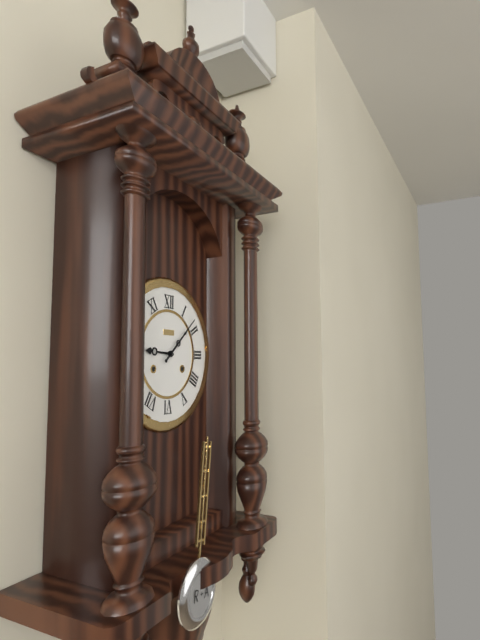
9:08
